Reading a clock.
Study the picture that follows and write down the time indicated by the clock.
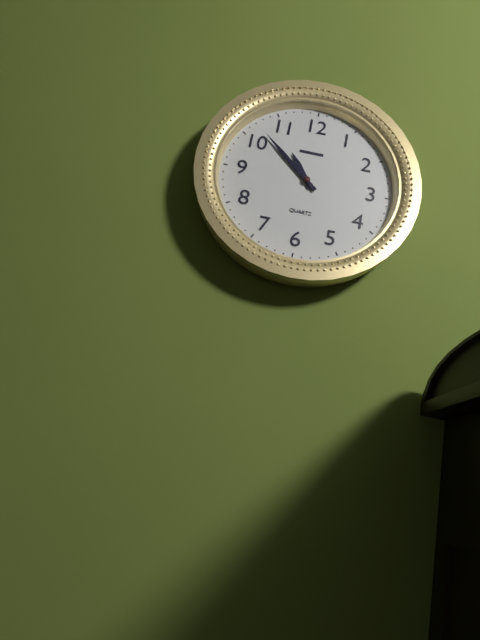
10:52
